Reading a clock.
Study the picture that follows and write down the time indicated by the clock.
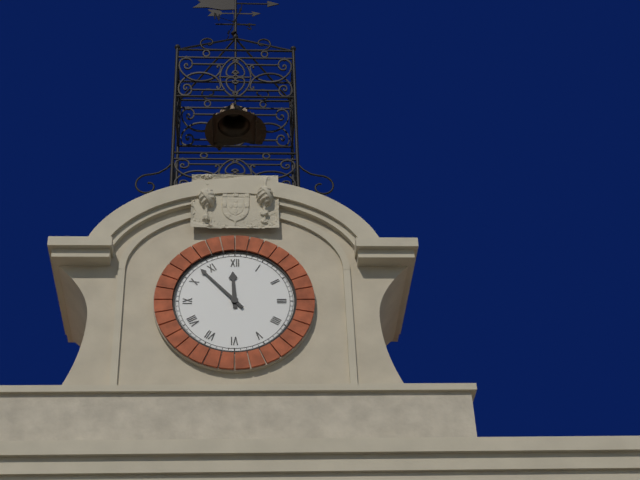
11:53
